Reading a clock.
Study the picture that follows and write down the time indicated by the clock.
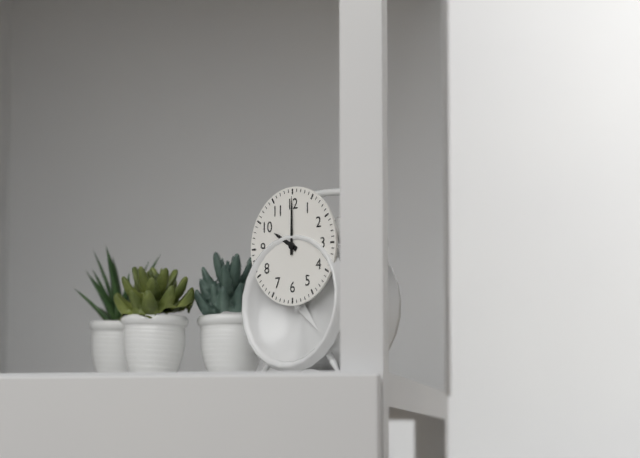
10:00
